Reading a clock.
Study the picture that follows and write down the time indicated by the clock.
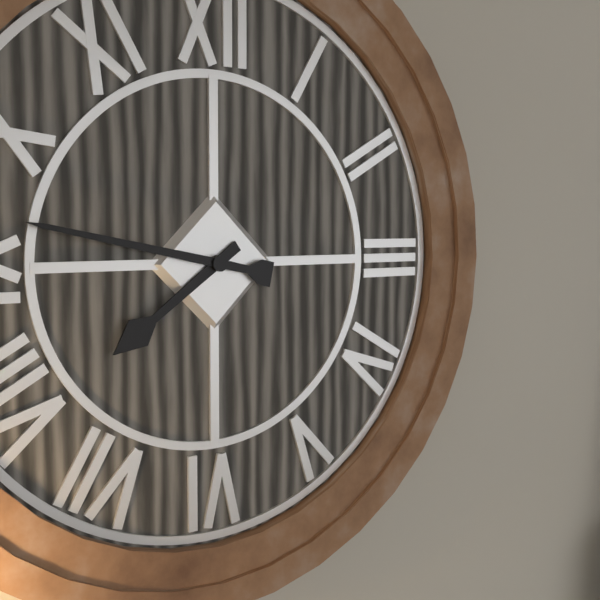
7:47
